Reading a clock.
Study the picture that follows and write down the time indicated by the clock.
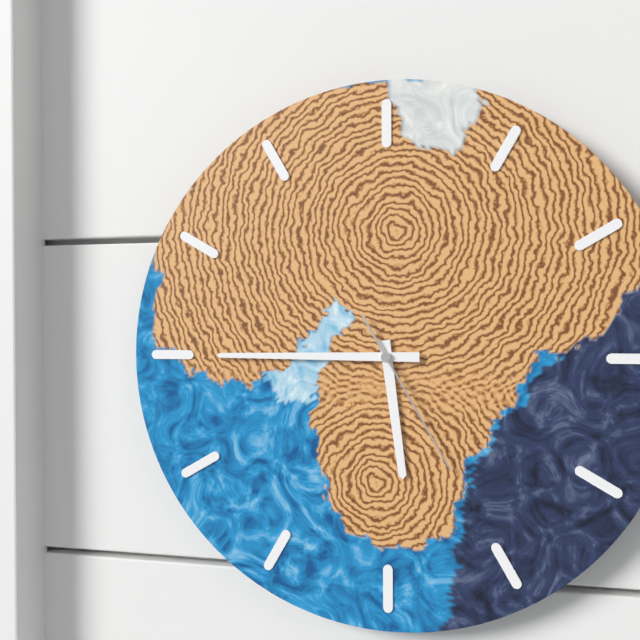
5:45:25
